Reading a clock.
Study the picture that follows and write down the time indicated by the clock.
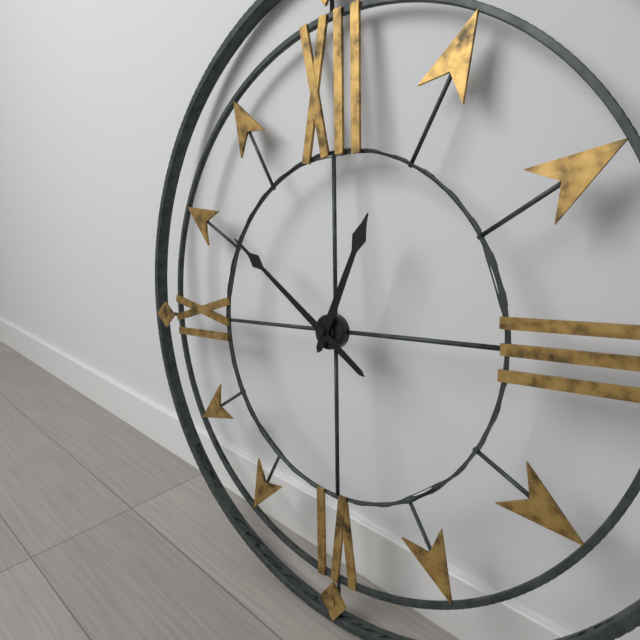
12:51
